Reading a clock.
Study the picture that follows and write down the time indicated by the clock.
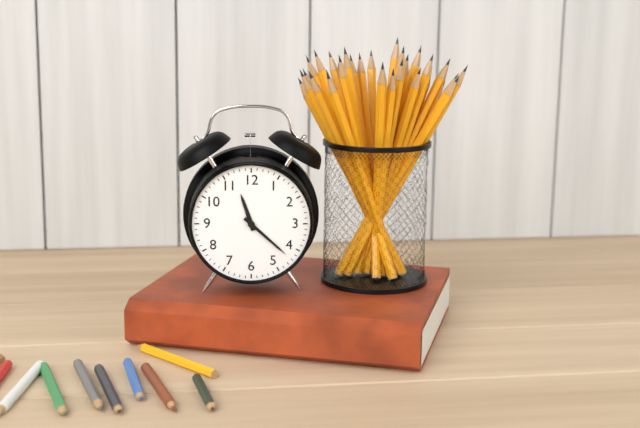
11:22
